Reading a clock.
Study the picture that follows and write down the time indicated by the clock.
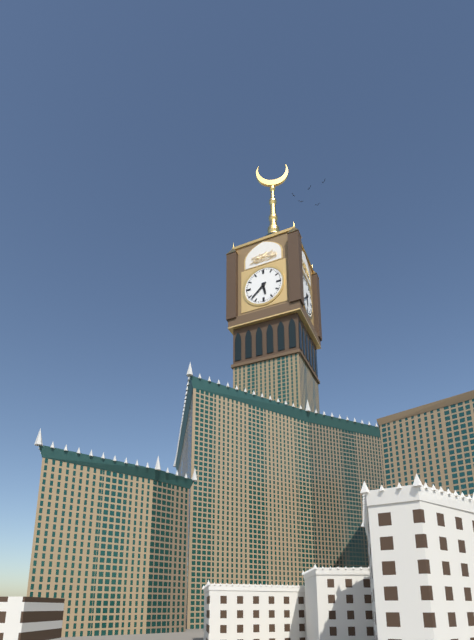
5:38
